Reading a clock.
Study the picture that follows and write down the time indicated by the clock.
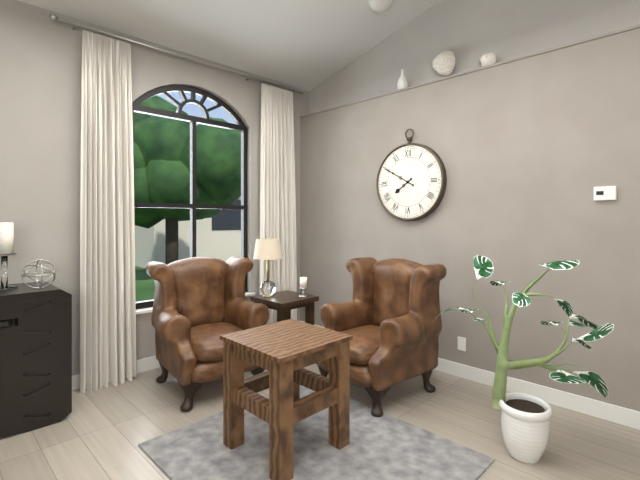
7:50
